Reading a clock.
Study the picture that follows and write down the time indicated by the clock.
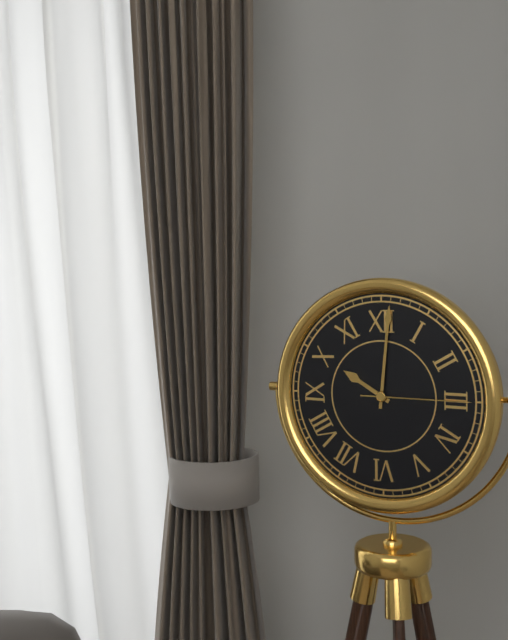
10:01:15
